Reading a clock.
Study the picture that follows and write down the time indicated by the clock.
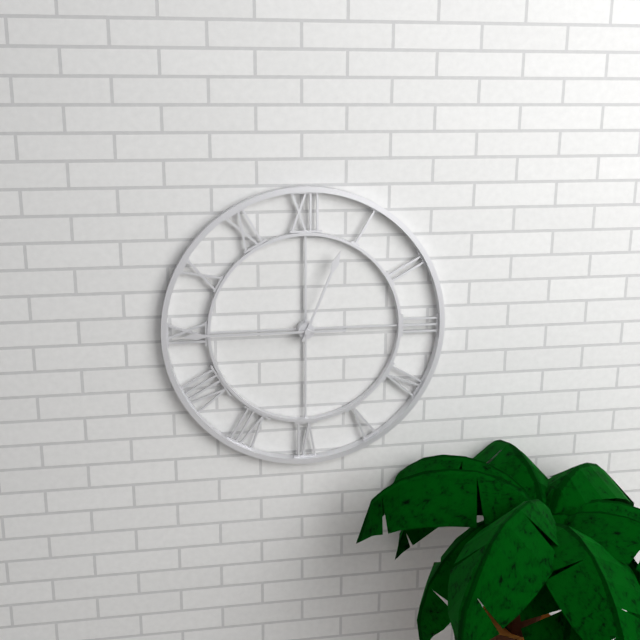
12:45
